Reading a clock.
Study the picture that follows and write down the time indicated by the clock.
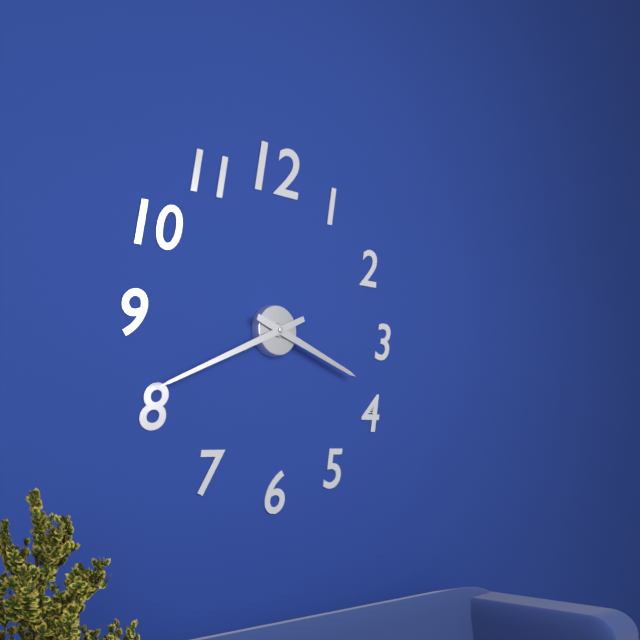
3:41
